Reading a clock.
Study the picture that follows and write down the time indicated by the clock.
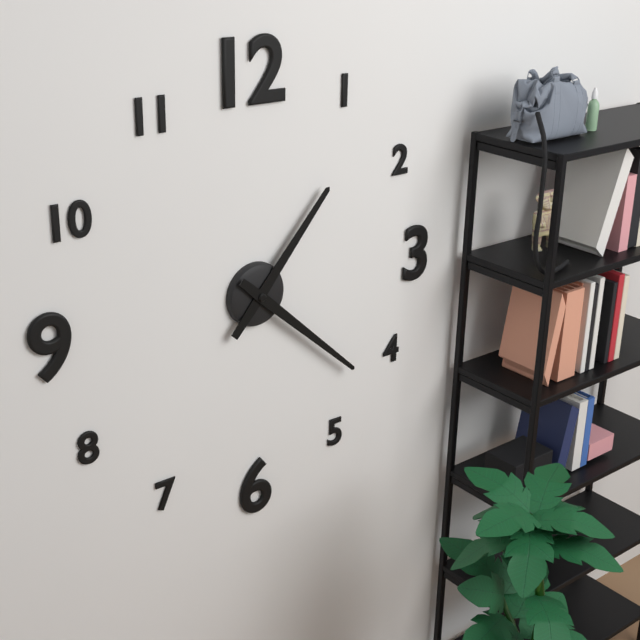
1:22
